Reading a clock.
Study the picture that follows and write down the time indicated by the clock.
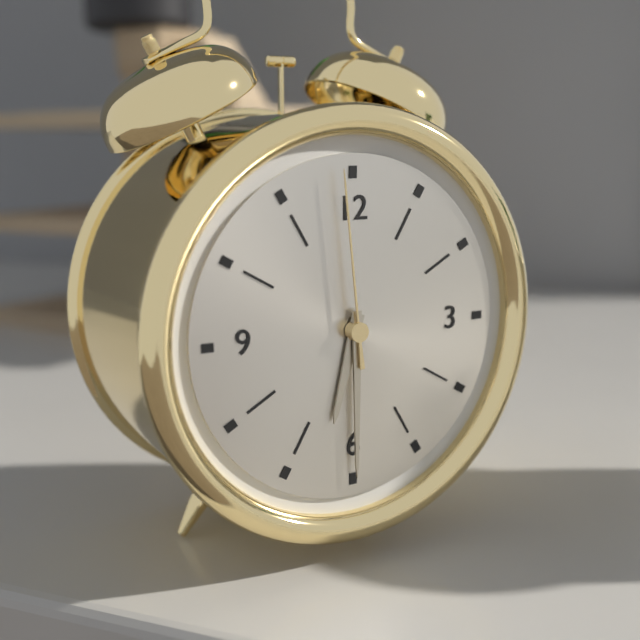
6:30:59
